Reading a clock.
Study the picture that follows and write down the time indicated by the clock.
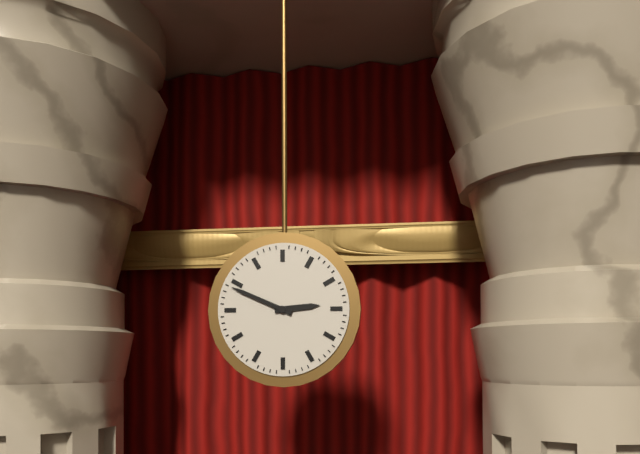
2:49
